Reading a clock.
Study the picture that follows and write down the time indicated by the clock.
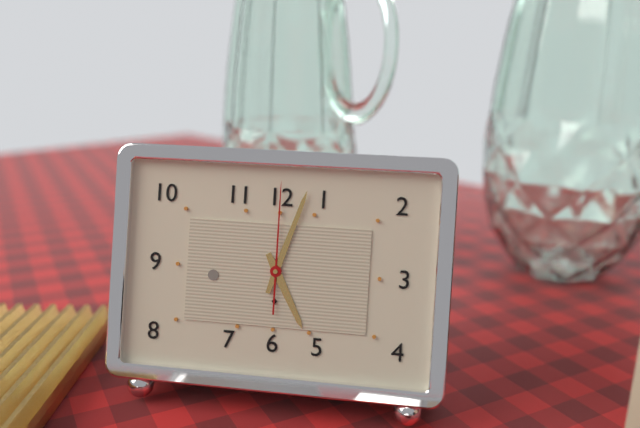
5:03:00
